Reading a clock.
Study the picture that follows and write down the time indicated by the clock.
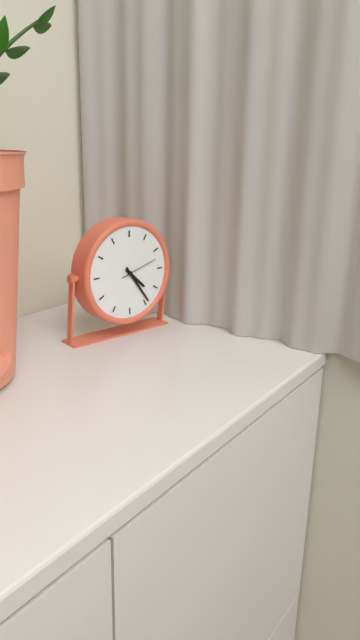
4:24
